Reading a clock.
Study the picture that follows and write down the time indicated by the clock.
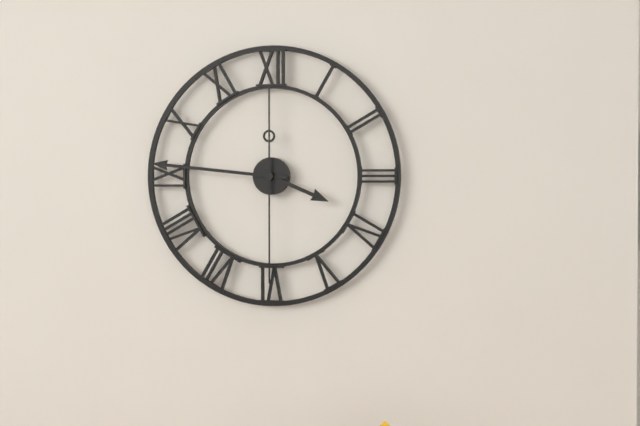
3:46:30
